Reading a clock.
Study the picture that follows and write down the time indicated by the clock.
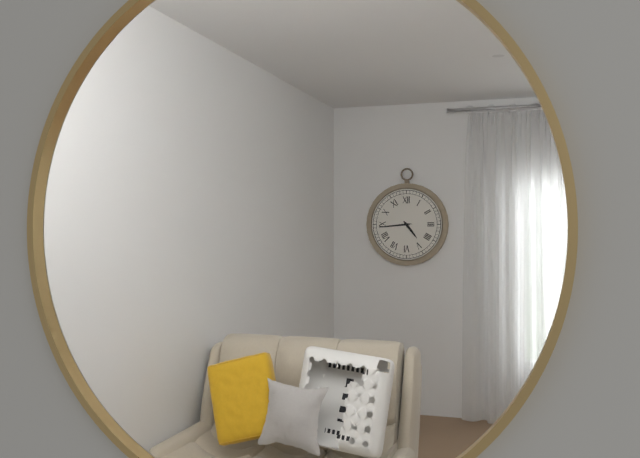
4:44
